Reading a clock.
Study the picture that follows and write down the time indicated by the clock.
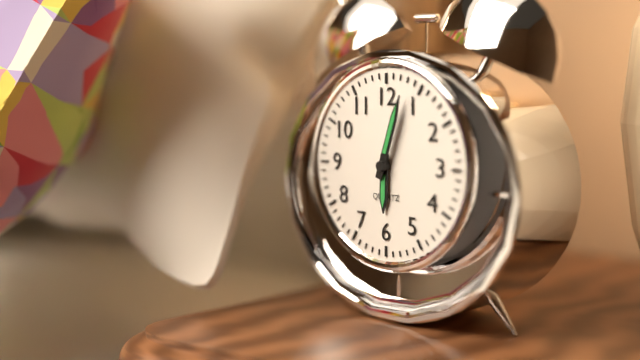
6:03
